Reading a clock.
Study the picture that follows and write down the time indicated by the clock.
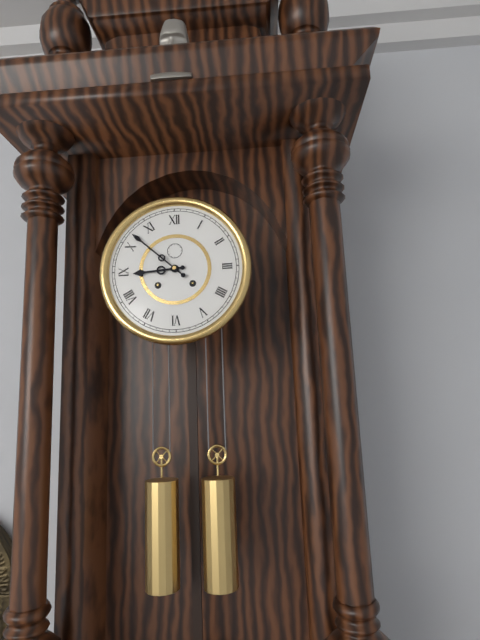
8:52
